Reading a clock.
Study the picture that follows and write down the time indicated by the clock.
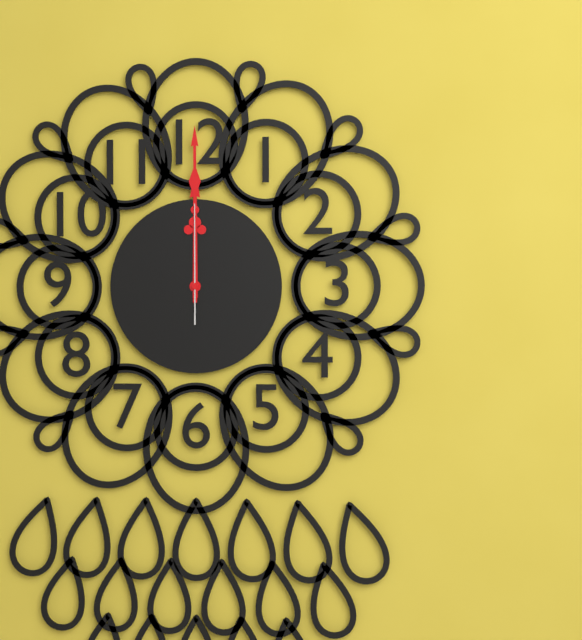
12:00:00
